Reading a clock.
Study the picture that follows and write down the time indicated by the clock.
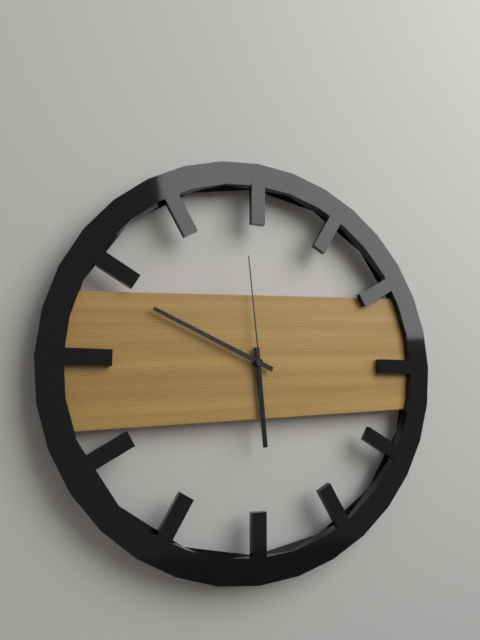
5:49:59
